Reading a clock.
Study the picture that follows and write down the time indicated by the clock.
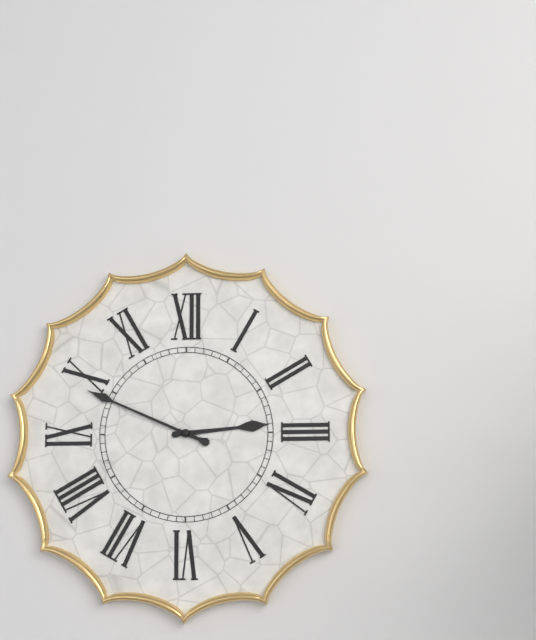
2:49
